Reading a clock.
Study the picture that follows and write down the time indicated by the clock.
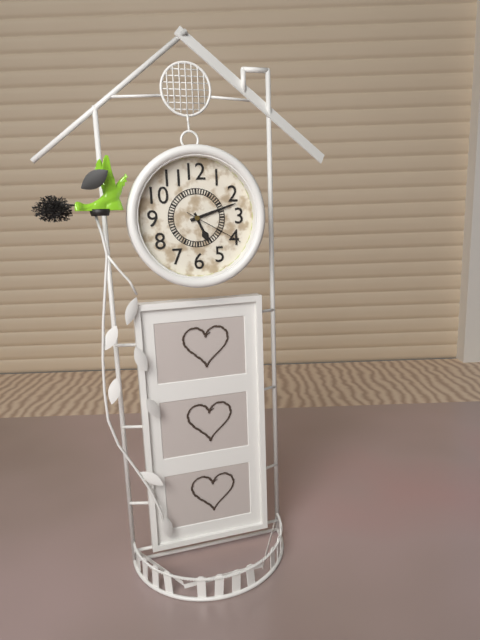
5:12:20
